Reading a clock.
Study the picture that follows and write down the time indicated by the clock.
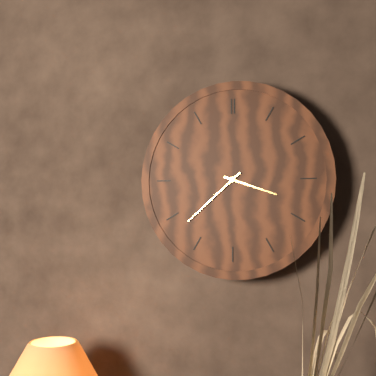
3:38
